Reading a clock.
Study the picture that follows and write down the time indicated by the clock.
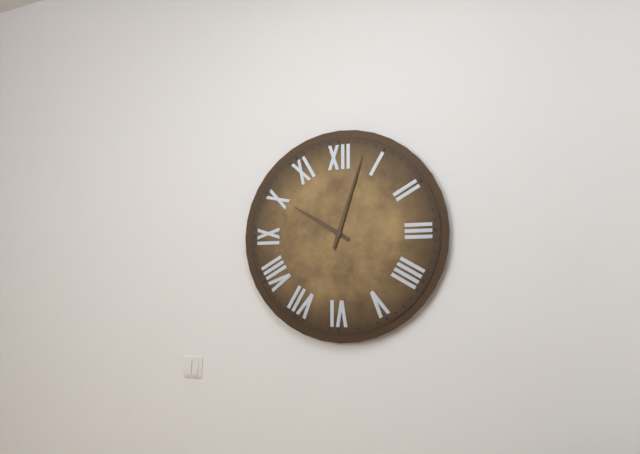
10:03
